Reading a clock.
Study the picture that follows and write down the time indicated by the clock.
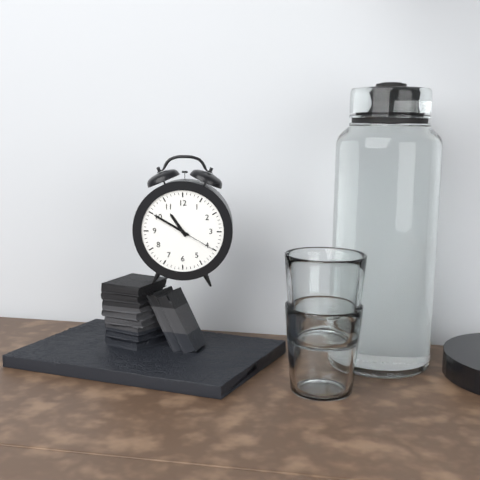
10:50
